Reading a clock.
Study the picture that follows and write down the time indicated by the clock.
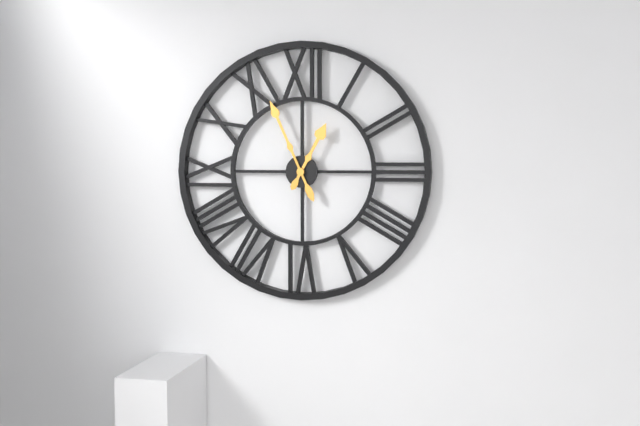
12:56
